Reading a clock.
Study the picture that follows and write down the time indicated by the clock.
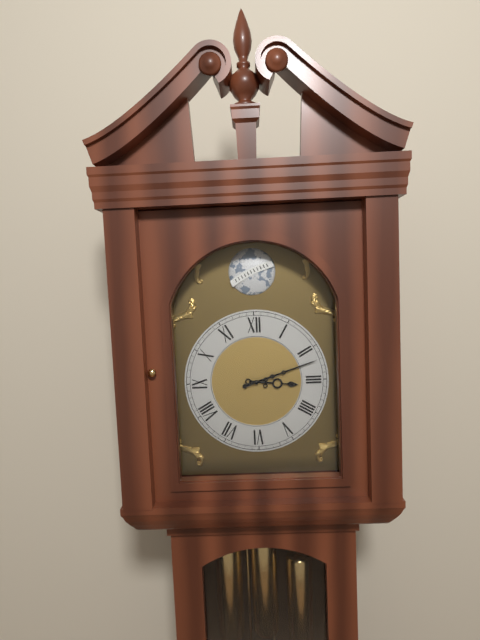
3:12
